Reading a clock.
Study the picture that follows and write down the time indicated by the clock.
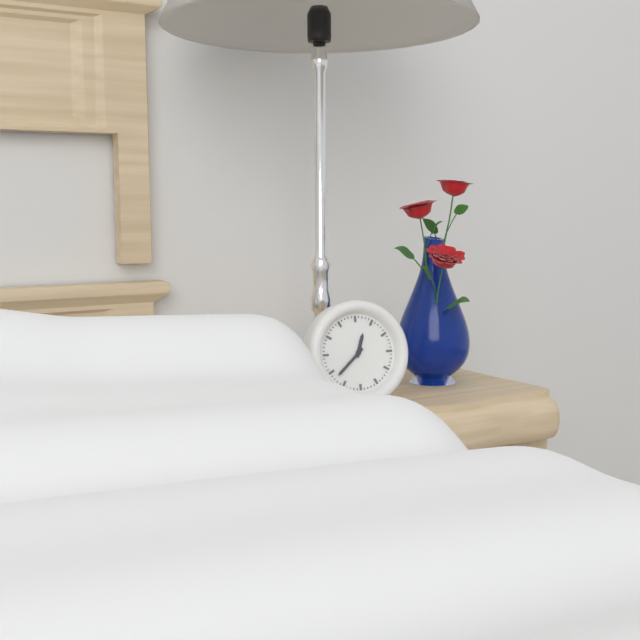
12:38
